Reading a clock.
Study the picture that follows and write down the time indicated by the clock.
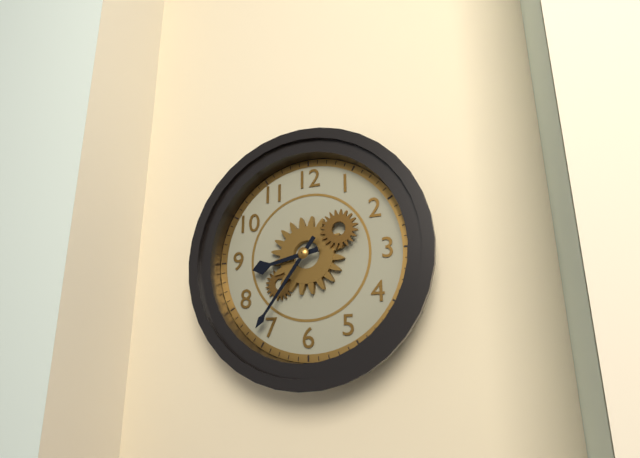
8:36
